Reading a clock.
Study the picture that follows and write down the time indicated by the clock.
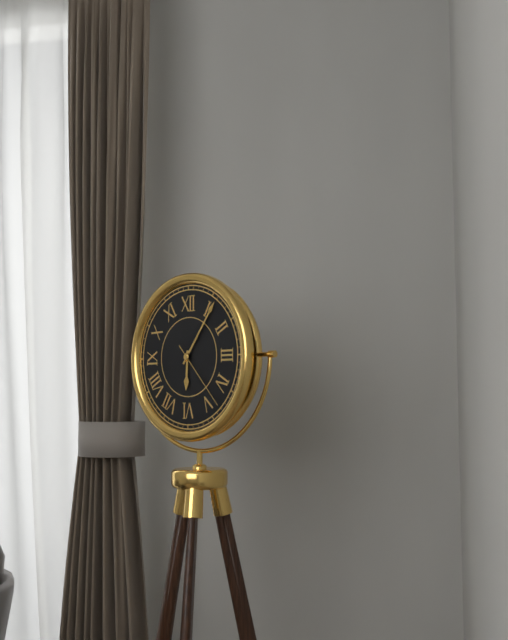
6:06:23
